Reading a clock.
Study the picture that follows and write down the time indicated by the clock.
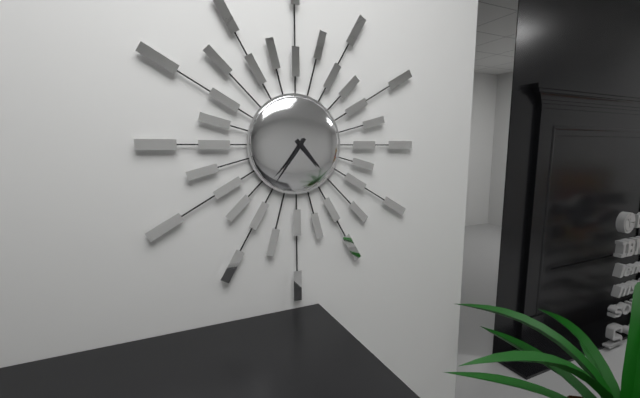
4:36
